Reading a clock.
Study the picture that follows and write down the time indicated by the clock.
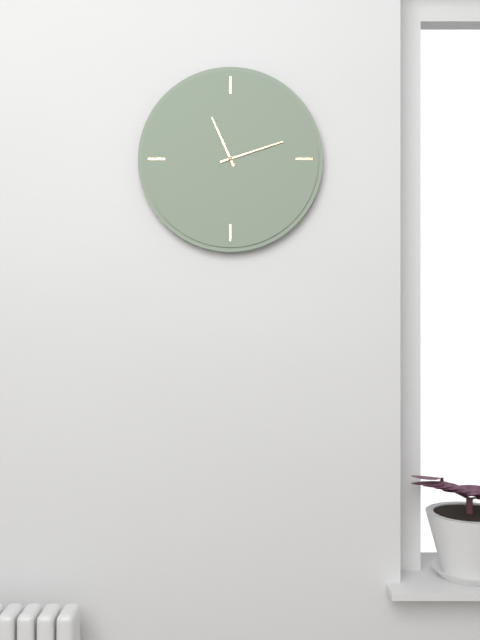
11:12
